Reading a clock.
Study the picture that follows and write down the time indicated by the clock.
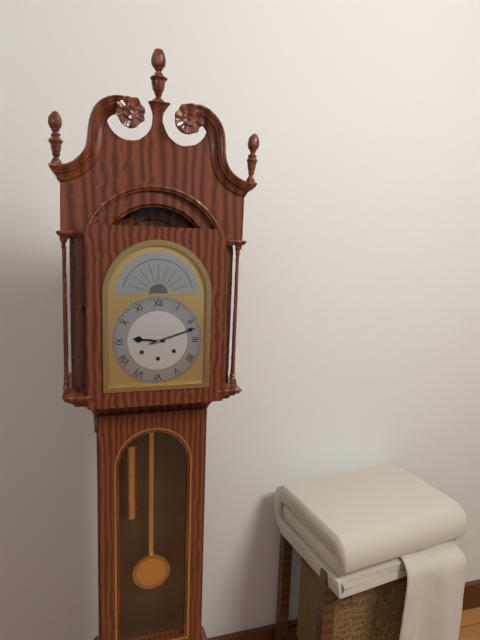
9:12
